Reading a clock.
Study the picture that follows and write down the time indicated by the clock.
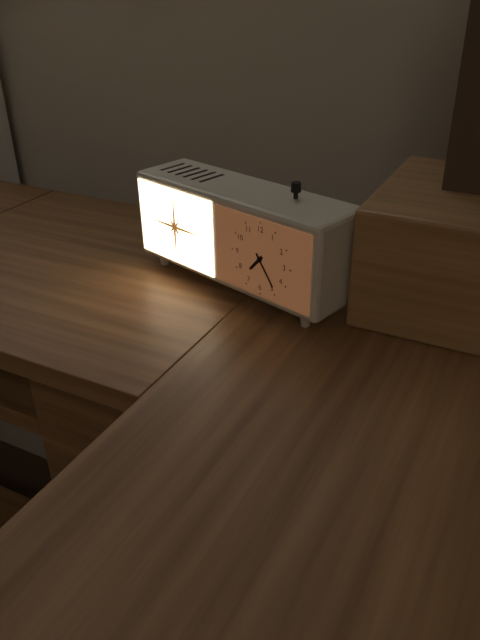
7:24
